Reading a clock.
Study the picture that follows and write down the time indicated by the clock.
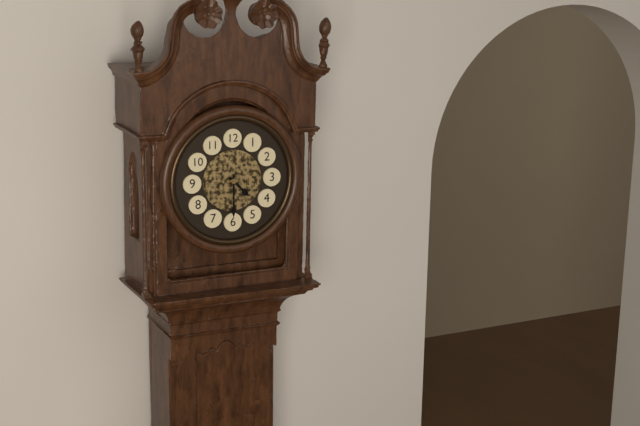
4:30
